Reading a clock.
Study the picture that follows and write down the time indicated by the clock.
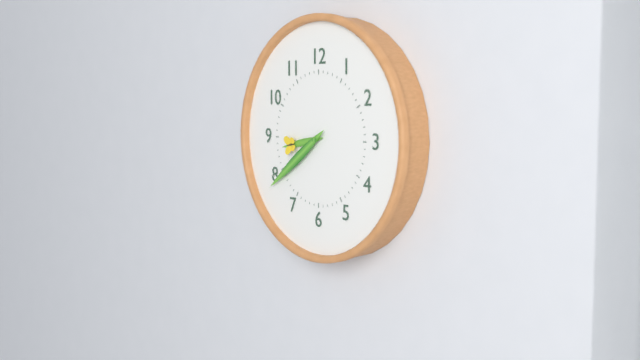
8:39
